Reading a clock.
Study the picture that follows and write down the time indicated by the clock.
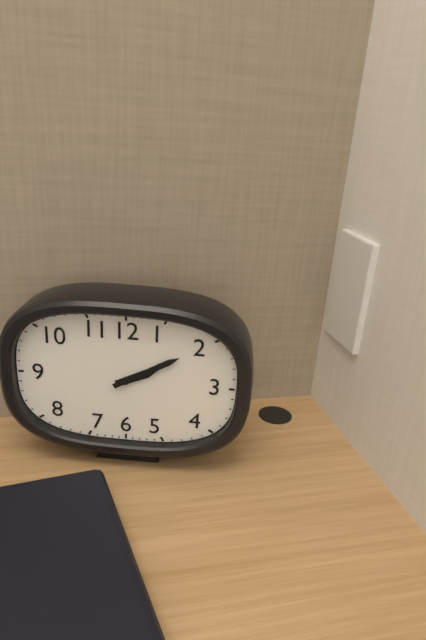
2:10
